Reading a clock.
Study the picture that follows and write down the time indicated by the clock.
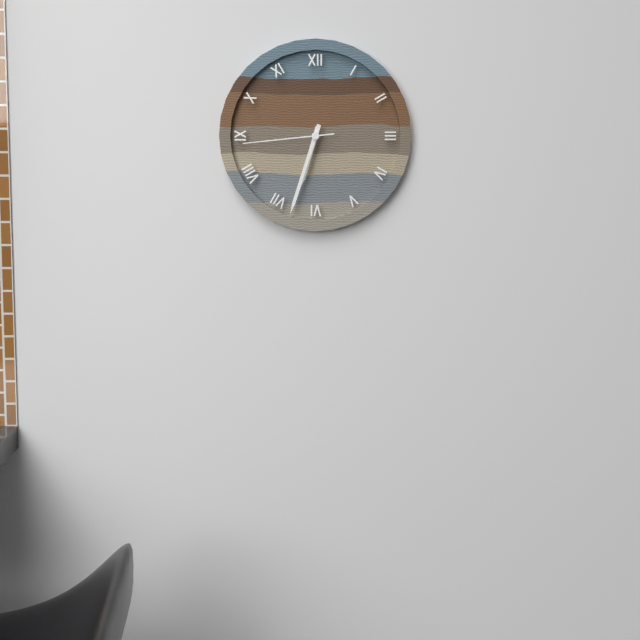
6:33:44
